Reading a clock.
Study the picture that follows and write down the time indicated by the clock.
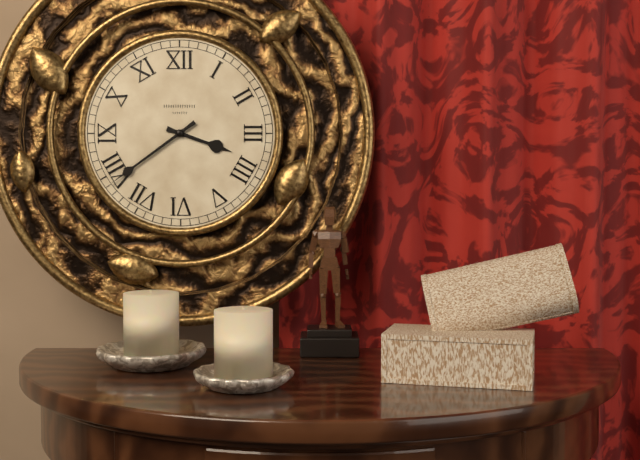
3:39
